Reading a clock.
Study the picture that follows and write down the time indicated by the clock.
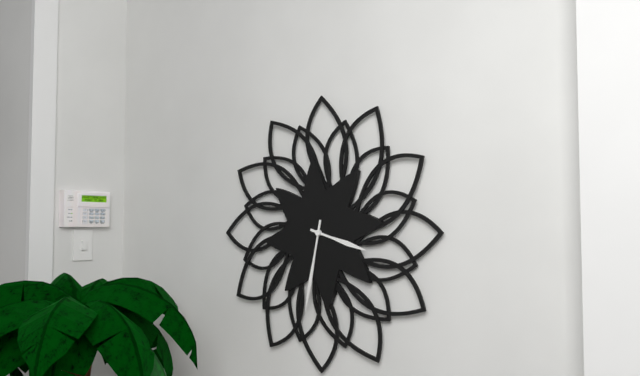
3:32
